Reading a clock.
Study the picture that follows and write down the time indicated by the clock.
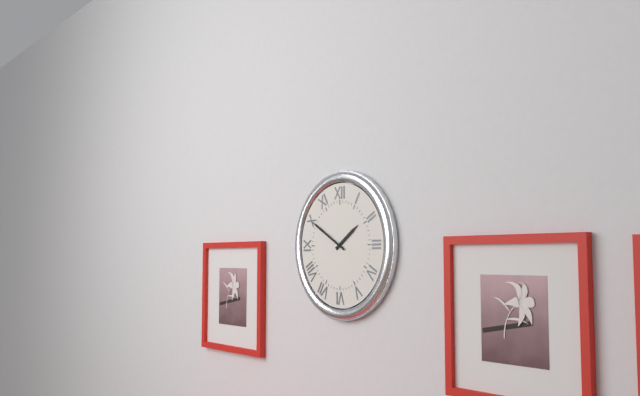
1:50
